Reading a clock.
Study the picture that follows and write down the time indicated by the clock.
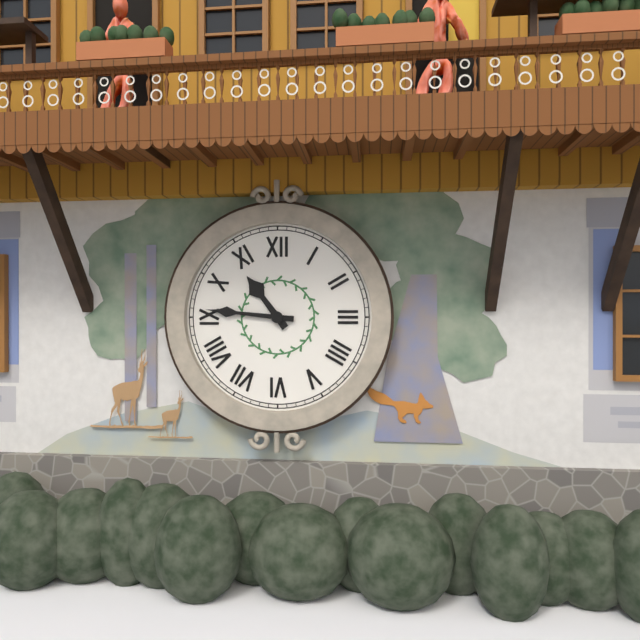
10:46
